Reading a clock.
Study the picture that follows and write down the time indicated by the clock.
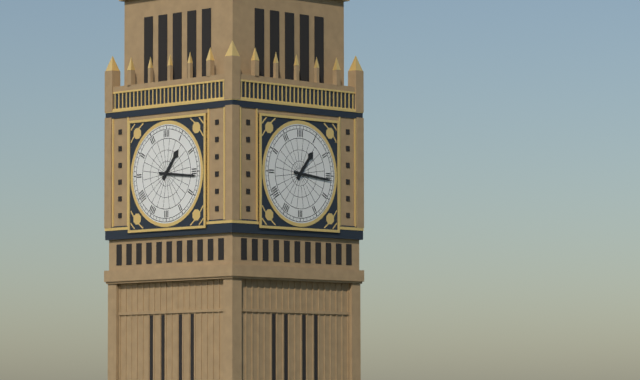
1:16
